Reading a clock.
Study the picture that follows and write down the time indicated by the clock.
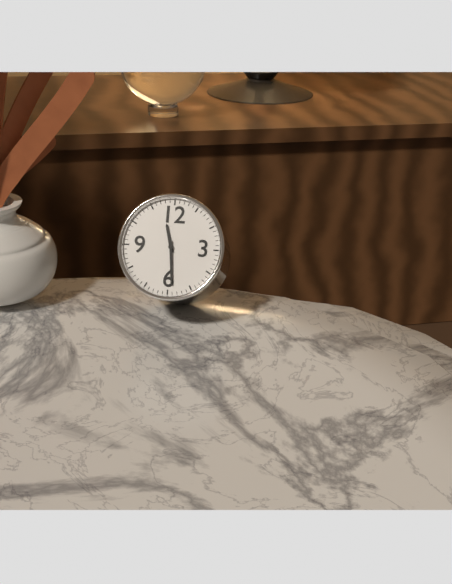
11:29
